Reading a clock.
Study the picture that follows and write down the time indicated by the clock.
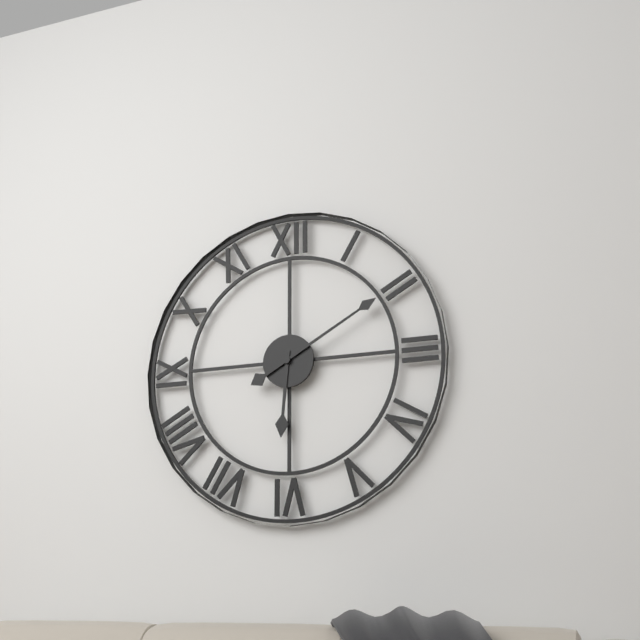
6:10
